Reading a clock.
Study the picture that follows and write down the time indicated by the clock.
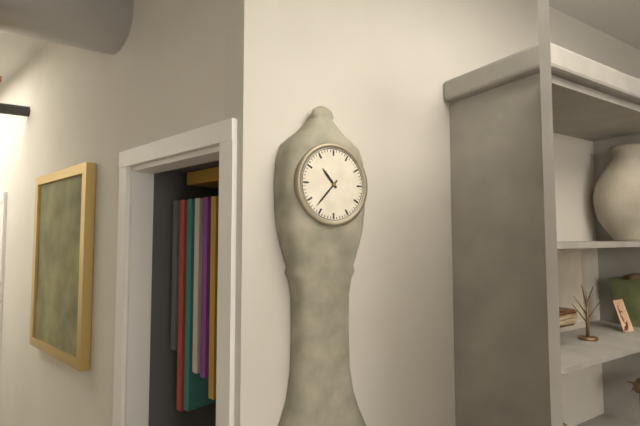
10:37
